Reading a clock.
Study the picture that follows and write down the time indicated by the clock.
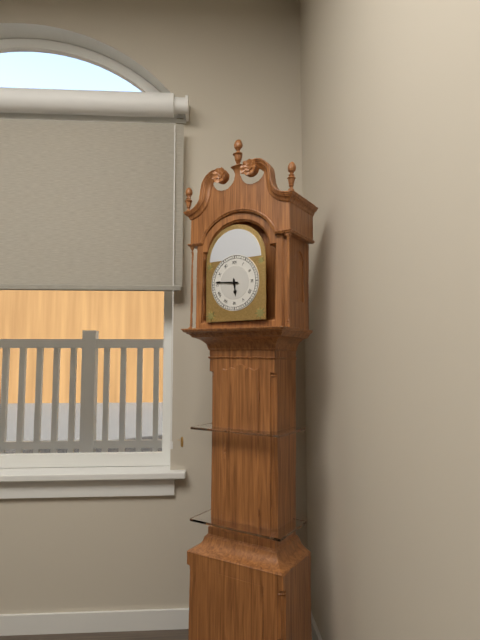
5:46
